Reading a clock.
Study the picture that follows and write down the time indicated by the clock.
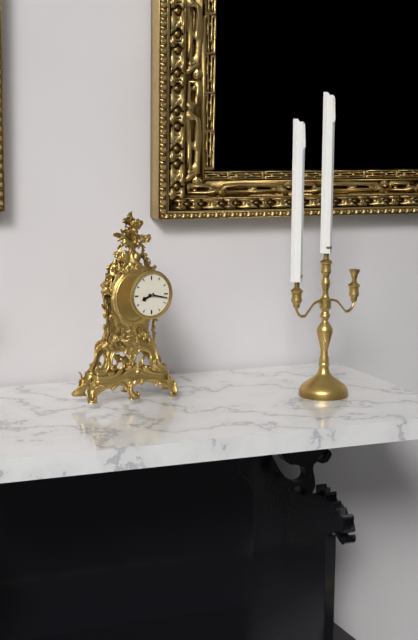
8:17
